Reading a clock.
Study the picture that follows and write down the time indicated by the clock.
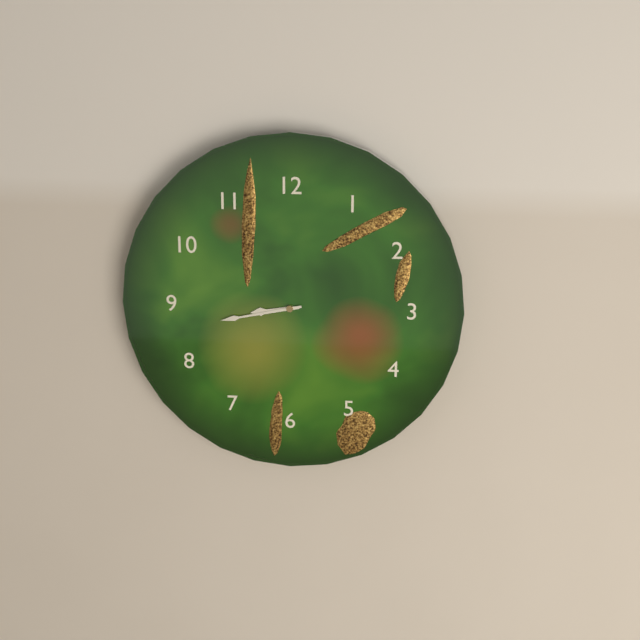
8:43
